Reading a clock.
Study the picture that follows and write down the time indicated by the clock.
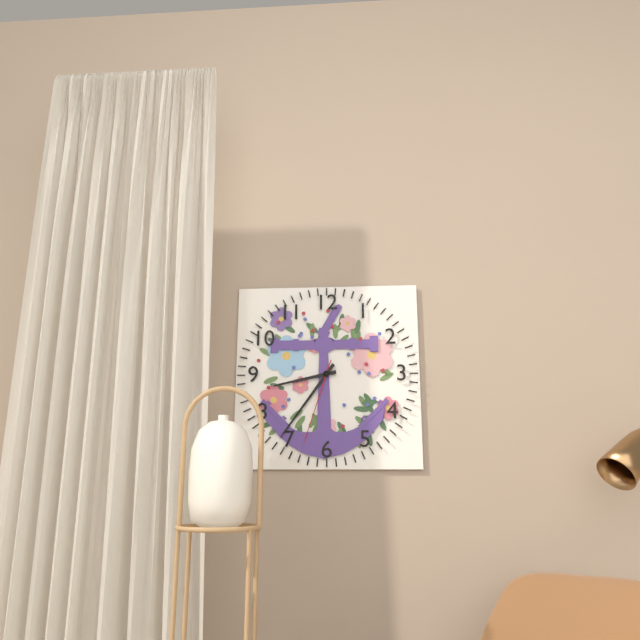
8:36:33
